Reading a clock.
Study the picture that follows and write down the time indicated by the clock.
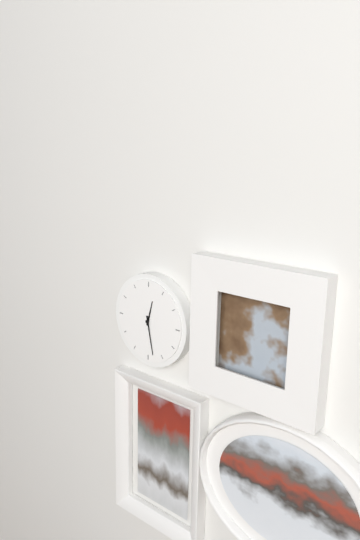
12:28
